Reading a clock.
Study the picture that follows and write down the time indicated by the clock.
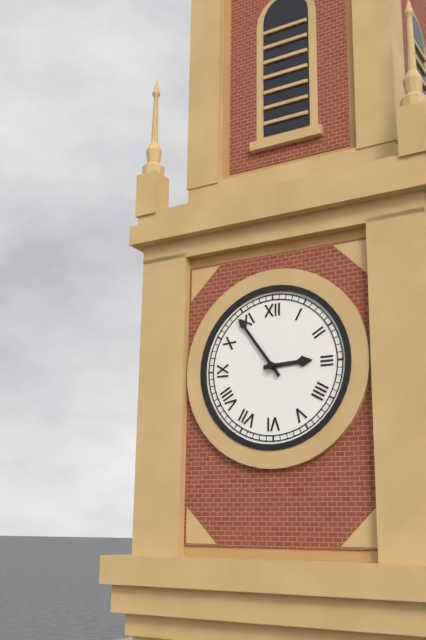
2:54
